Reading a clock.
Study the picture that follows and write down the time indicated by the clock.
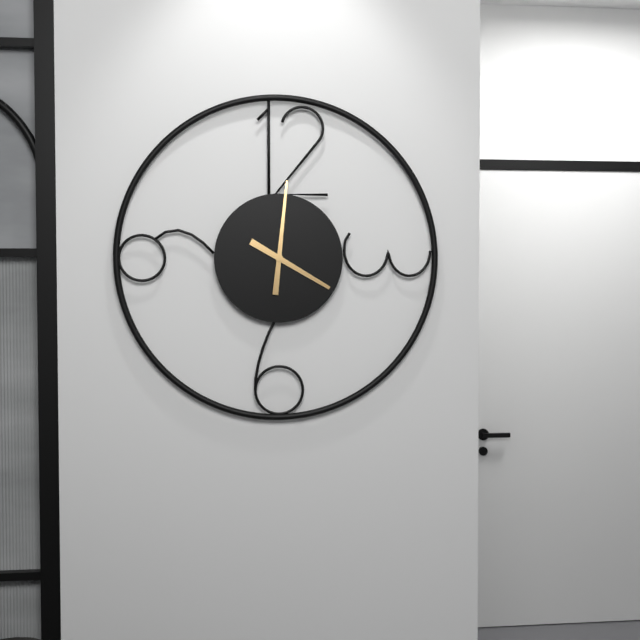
4:01
